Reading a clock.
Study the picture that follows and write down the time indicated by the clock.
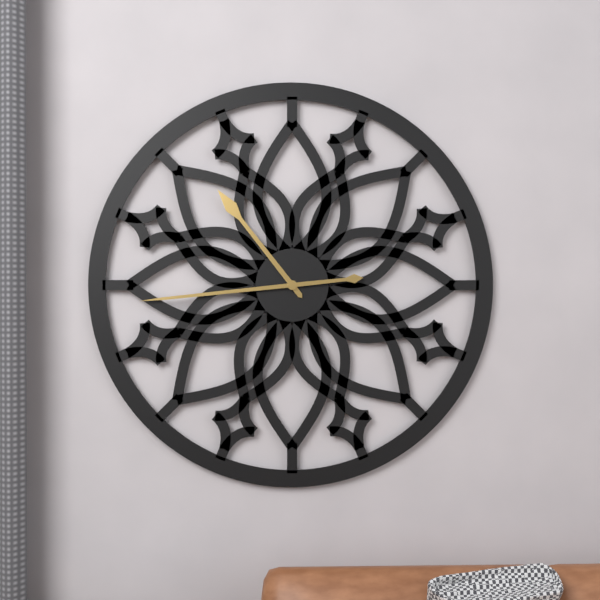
10:44
